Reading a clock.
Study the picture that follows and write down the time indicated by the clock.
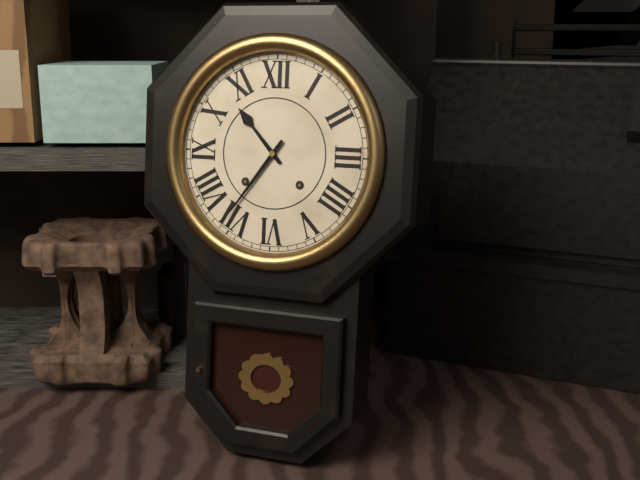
10:36
